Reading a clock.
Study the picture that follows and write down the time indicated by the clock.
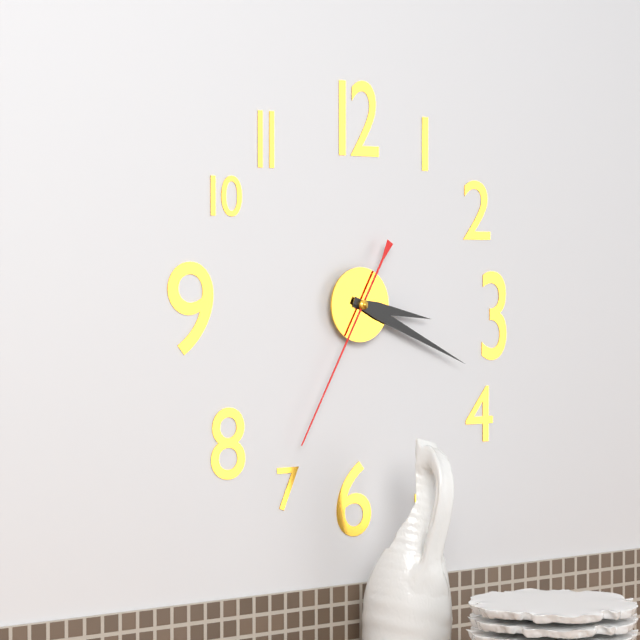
3:19:35
